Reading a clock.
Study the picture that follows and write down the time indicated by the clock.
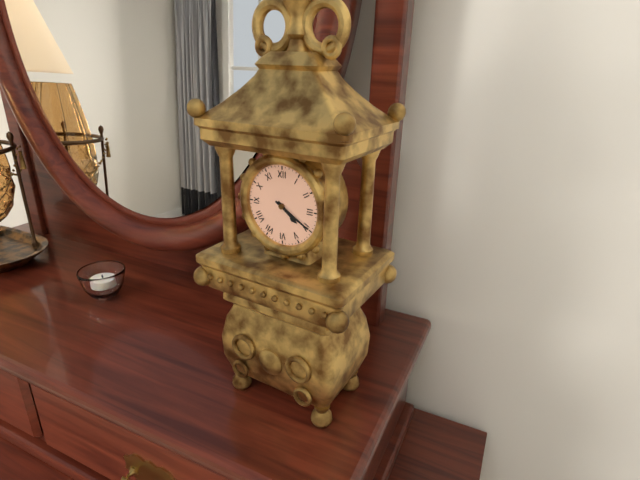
4:20
